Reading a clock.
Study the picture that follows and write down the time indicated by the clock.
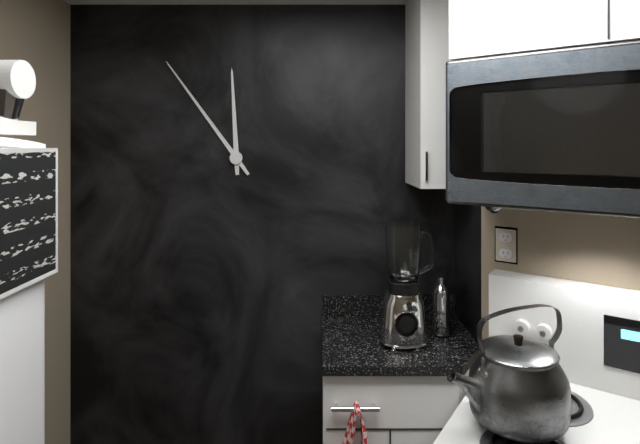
11:54
